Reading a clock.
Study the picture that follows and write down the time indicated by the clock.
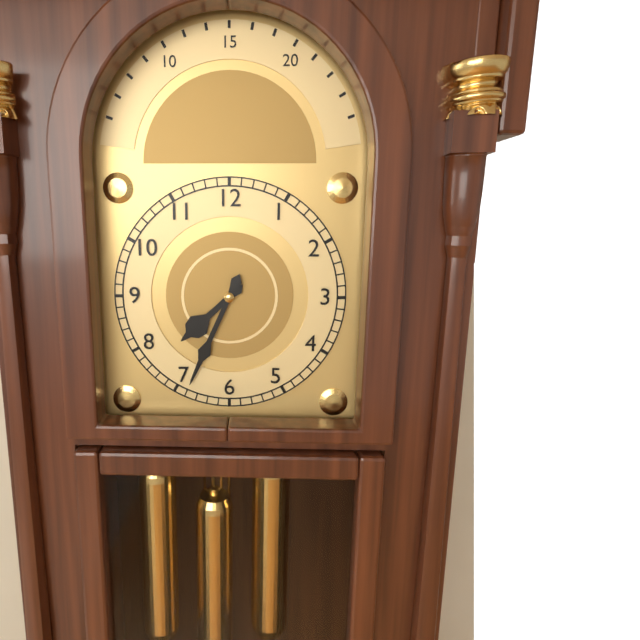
7:34
